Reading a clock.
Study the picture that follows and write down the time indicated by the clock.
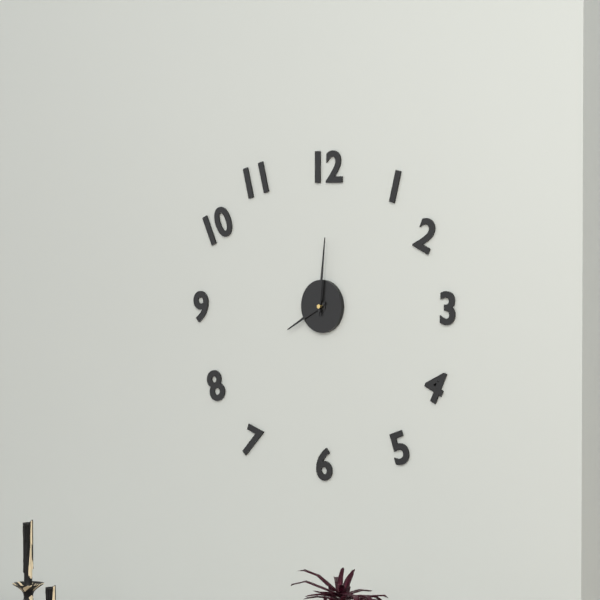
8:01
